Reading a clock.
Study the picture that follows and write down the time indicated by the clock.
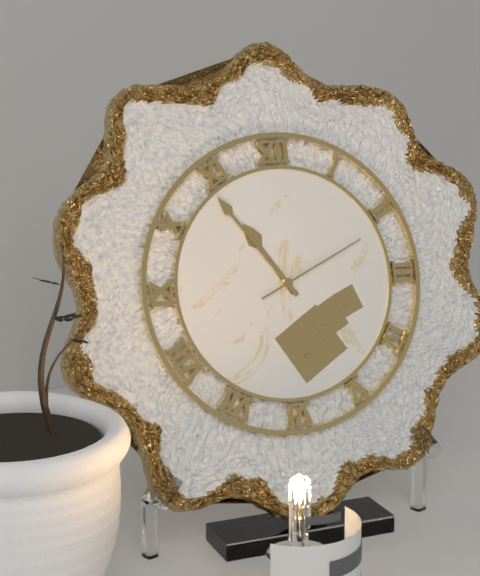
10:54:11
